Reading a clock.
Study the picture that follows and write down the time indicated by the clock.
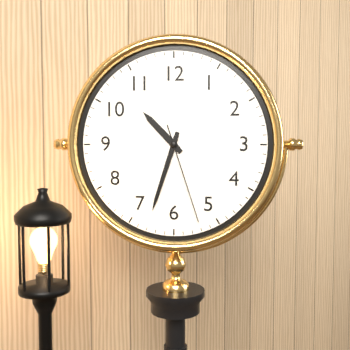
10:33:27
